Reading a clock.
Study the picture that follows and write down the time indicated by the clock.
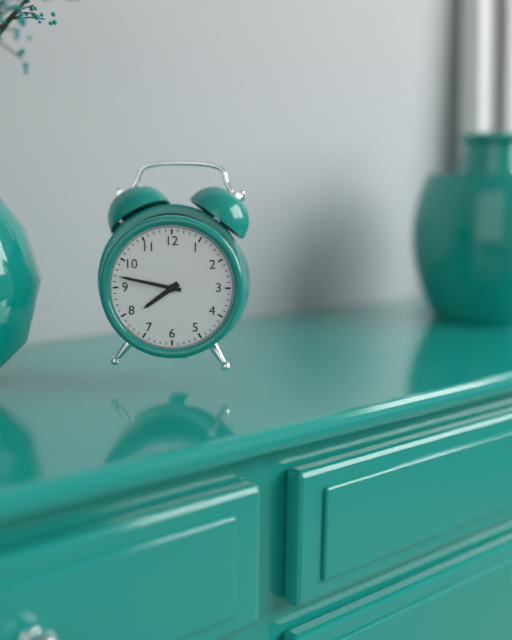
7:47
